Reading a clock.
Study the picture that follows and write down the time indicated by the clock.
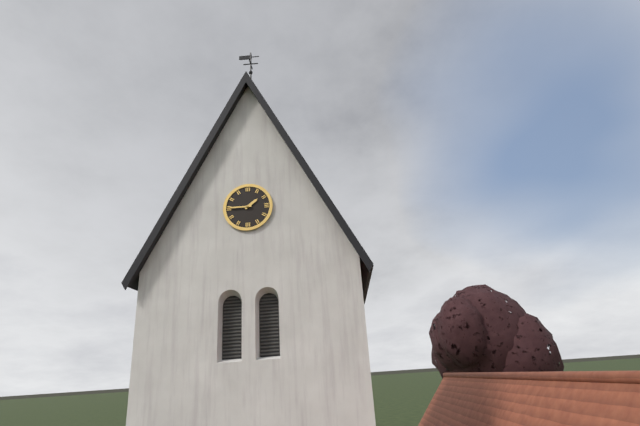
1:45
